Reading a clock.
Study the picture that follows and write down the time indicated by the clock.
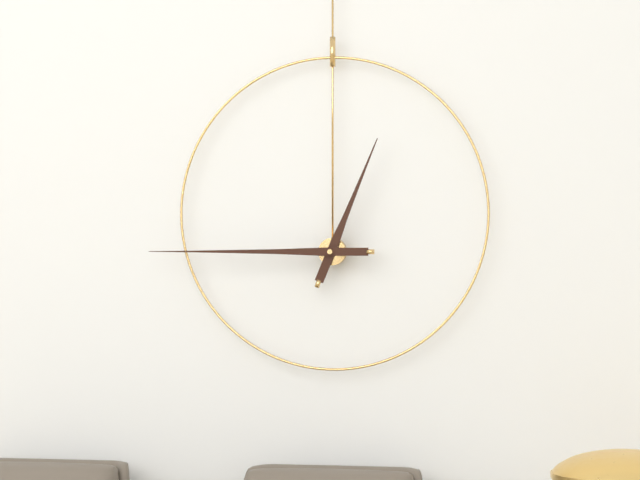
12:45
